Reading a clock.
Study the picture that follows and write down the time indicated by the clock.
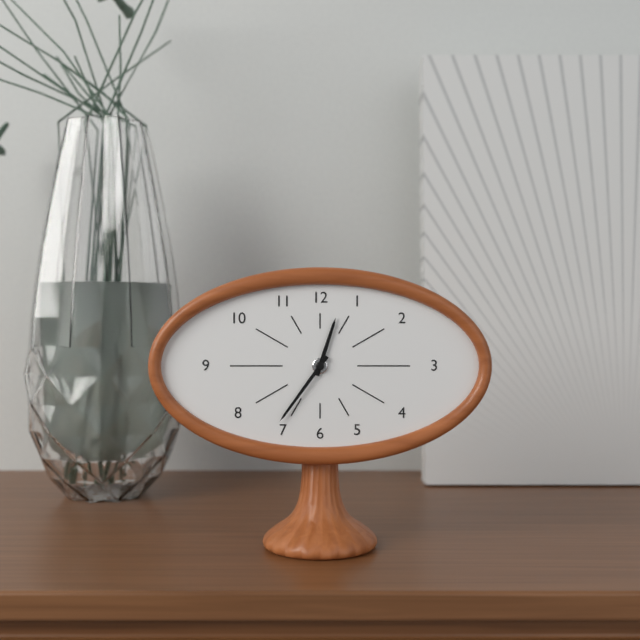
12:36
